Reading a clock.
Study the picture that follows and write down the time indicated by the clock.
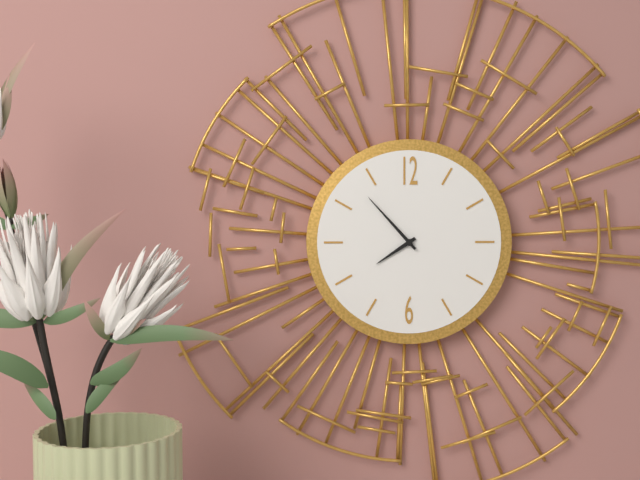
7:53
